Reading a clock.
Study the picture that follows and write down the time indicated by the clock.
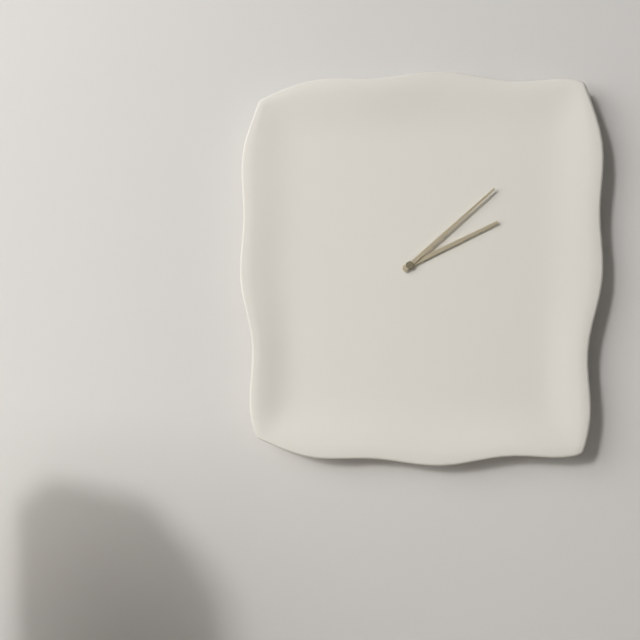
2:08
